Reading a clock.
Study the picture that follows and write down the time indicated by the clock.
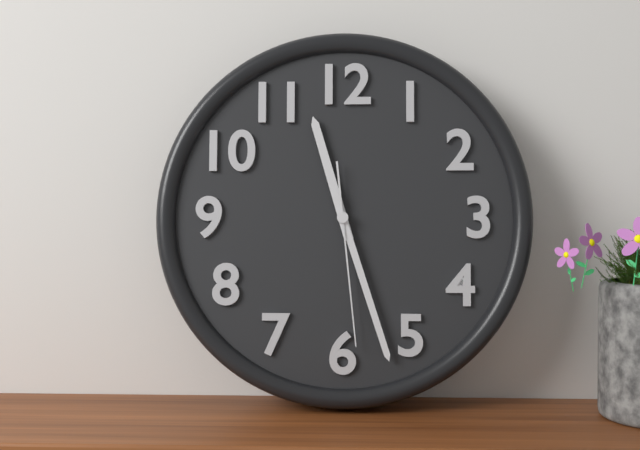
11:27:29
